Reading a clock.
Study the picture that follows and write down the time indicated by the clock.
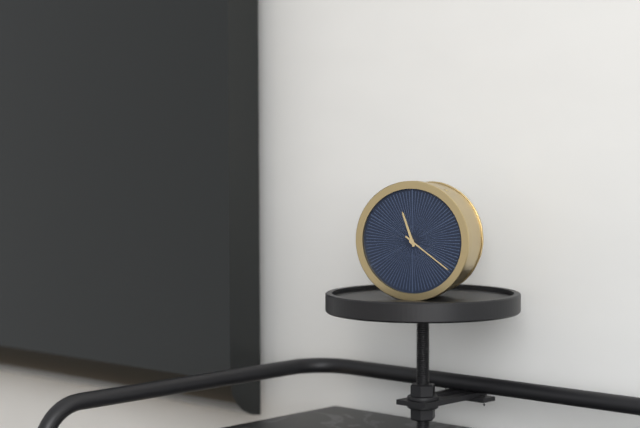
11:21
